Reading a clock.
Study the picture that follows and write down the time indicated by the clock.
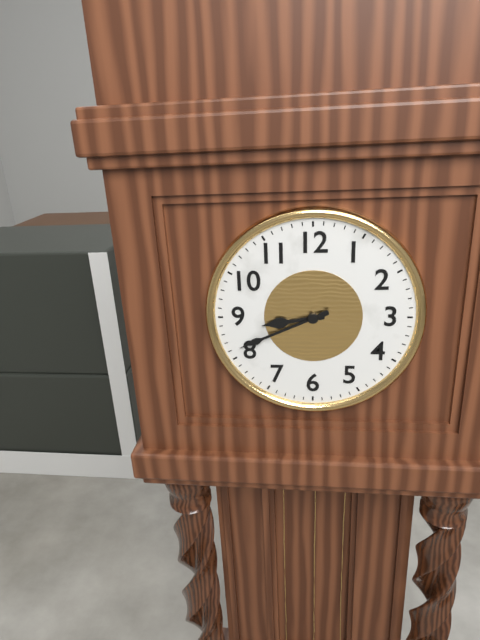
8:41
